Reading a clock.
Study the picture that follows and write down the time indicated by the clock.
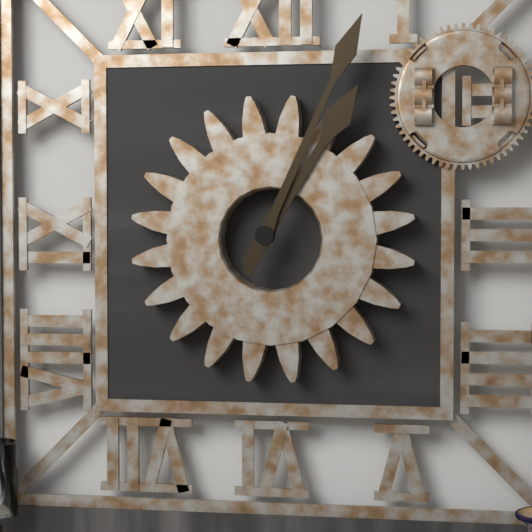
1:04
